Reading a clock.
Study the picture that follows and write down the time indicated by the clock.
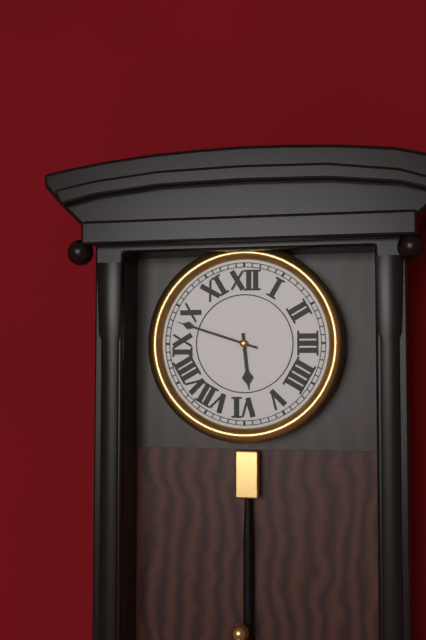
5:48
